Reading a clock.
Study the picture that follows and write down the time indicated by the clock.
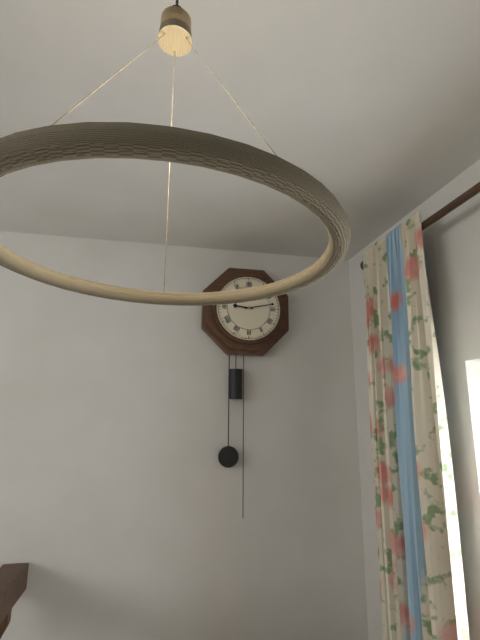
9:13
